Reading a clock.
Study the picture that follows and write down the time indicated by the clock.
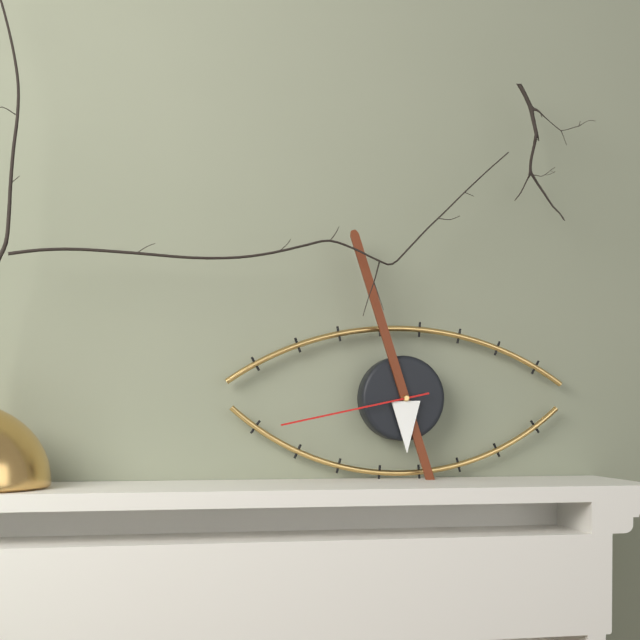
5:57:43
